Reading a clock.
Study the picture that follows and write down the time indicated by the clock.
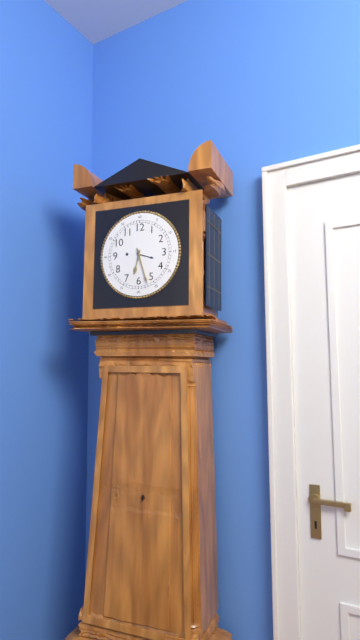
6:27
